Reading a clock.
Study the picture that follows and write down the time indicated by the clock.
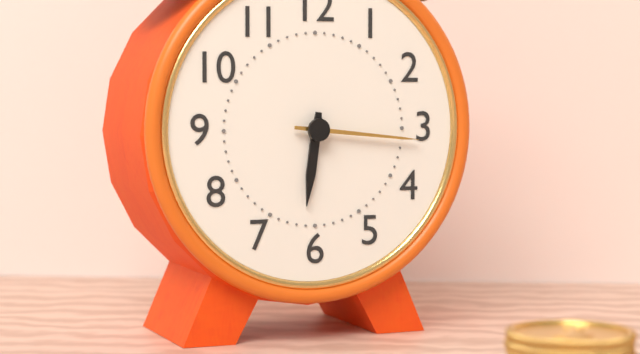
6:16
